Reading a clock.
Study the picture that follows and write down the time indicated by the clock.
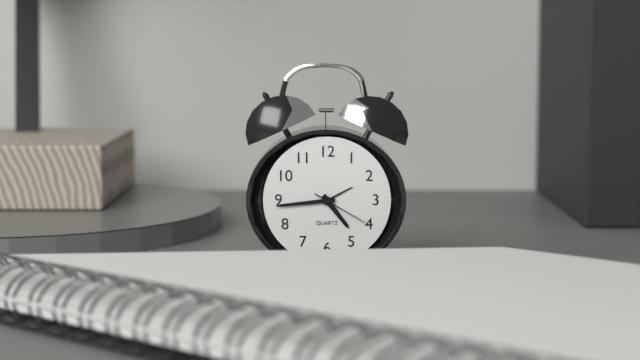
4:44:20
